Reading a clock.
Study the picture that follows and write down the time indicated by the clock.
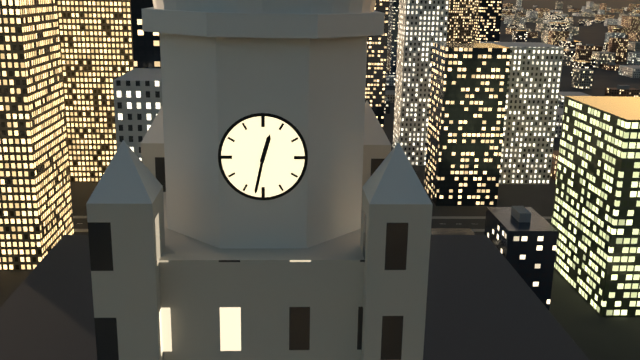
12:32
